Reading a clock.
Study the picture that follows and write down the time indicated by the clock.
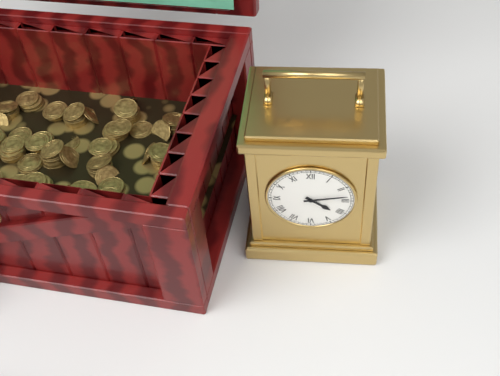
4:13
